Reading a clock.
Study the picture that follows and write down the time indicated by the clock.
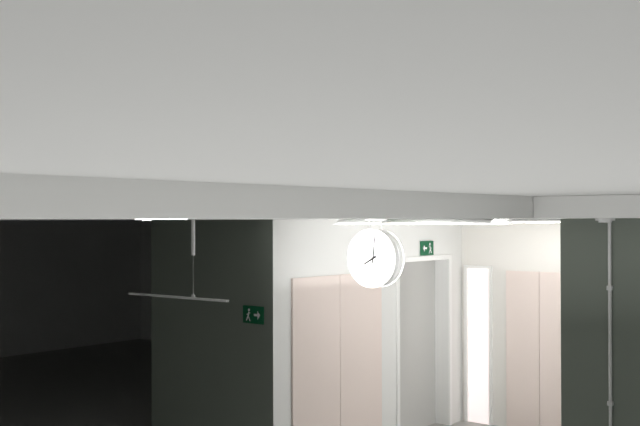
8:01
